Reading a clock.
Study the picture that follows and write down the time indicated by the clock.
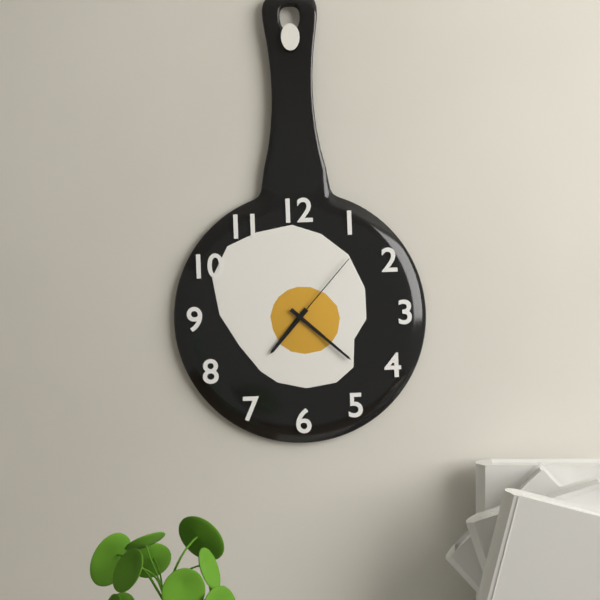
7:22:07
